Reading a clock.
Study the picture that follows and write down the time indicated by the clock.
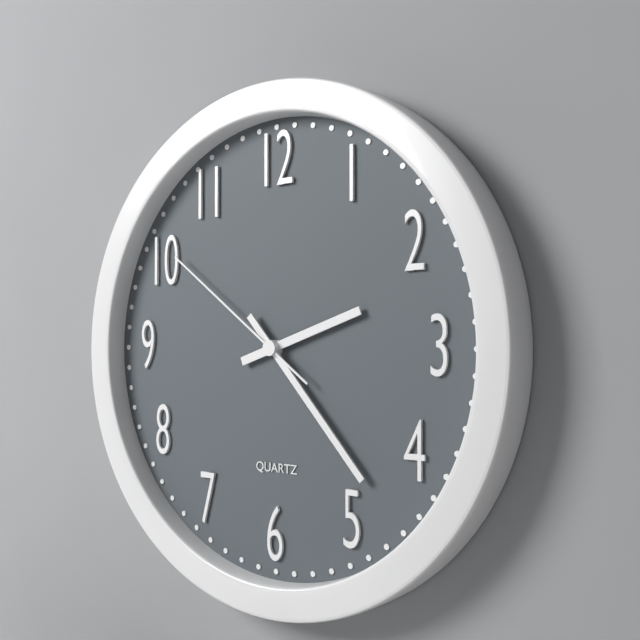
2:23:51
